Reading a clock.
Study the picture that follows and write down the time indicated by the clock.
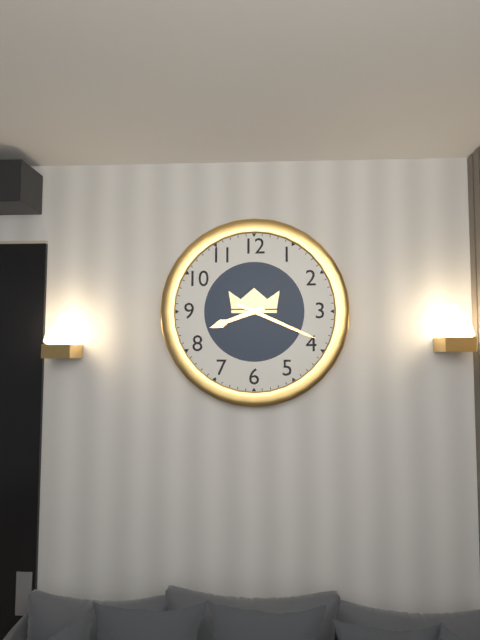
8:19
